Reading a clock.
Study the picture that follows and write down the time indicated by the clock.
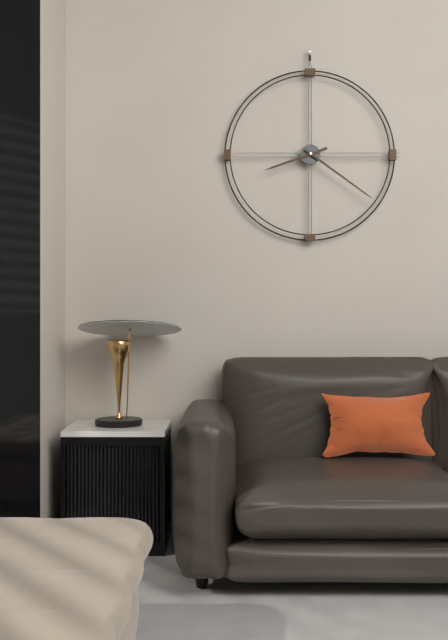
8:21
